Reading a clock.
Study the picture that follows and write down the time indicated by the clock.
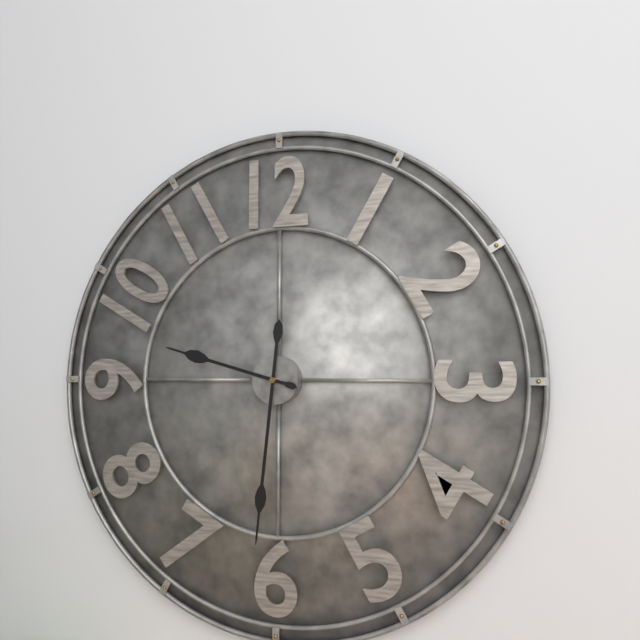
9:31
